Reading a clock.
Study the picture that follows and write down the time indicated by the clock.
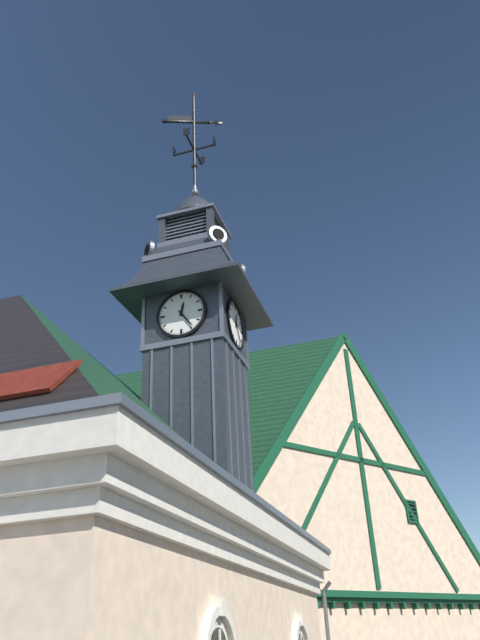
12:24
